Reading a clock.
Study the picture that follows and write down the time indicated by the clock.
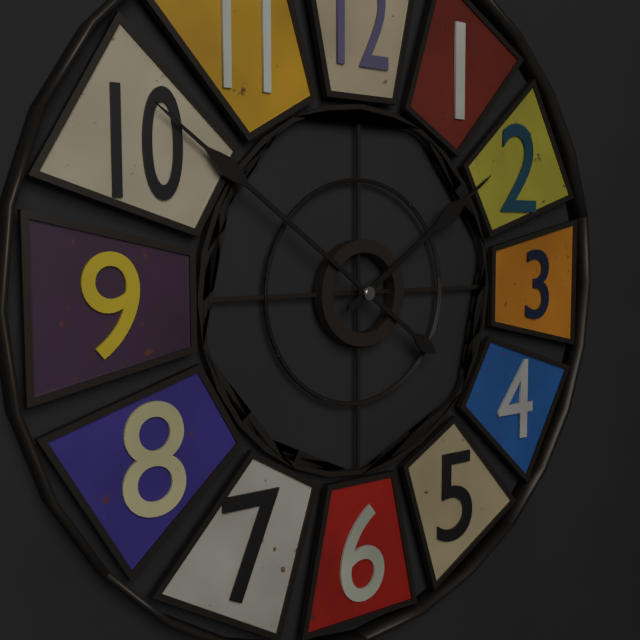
1:51
